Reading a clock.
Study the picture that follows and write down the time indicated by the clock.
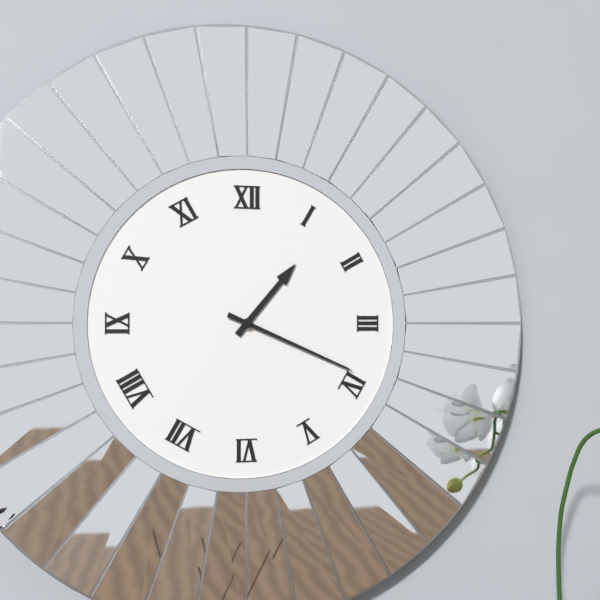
1:19
